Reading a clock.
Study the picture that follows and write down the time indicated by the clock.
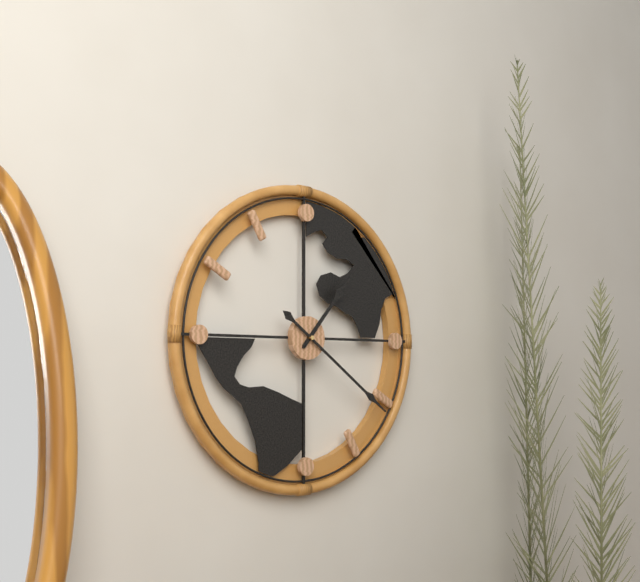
1:21
